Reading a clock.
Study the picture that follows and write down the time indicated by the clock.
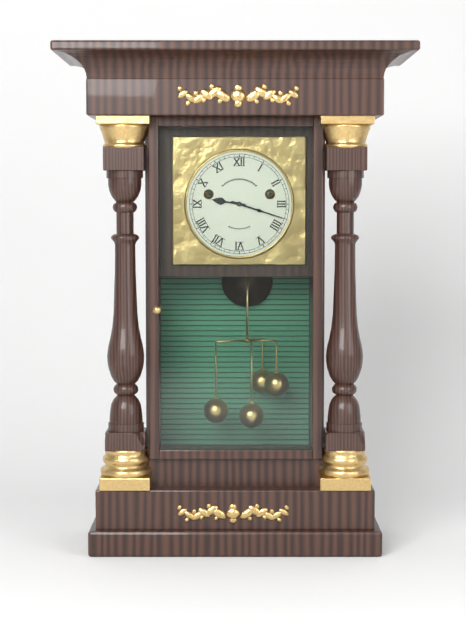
9:18
